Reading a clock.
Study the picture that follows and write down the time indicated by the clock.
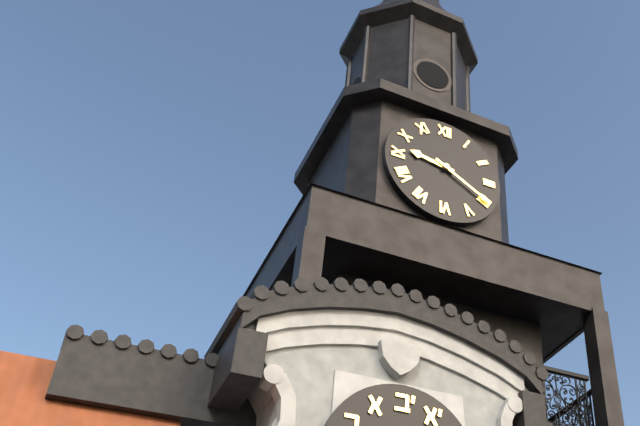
9:20
